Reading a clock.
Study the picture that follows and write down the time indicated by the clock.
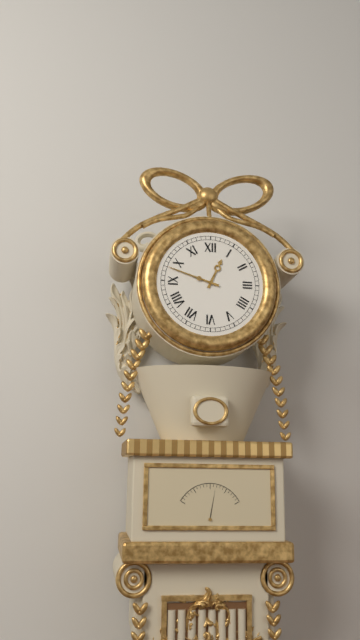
12:48
